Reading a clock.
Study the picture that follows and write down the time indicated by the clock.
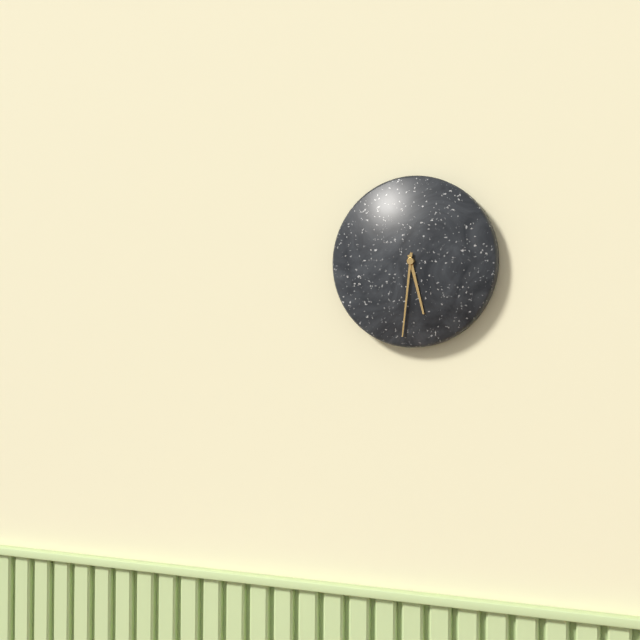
5:31
